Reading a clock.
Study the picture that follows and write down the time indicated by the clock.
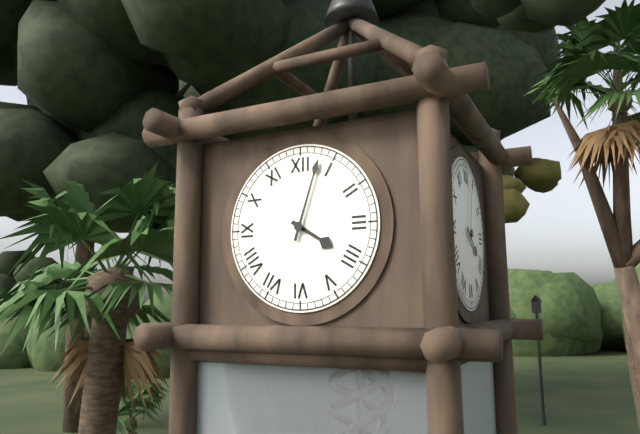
4:03
